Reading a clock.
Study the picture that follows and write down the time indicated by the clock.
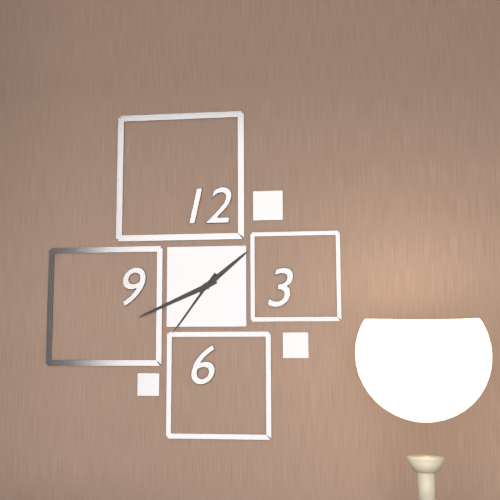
1:41:36
